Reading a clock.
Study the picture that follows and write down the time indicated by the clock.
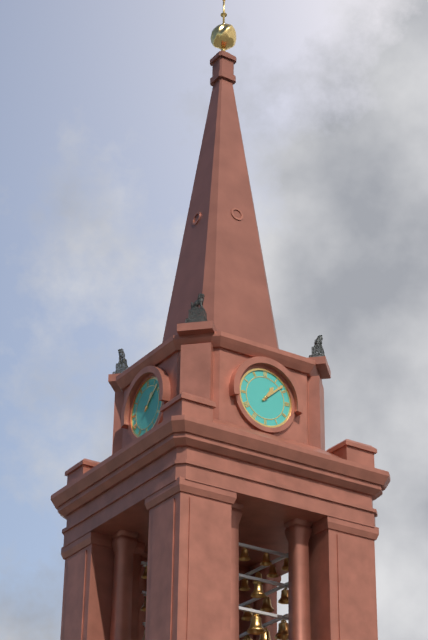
1:08
